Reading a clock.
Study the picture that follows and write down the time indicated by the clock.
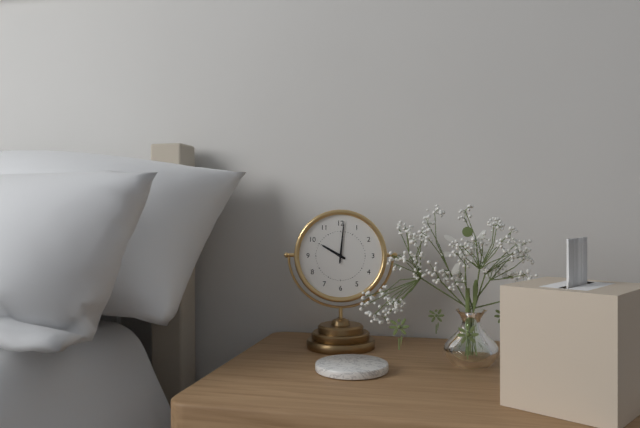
10:01
